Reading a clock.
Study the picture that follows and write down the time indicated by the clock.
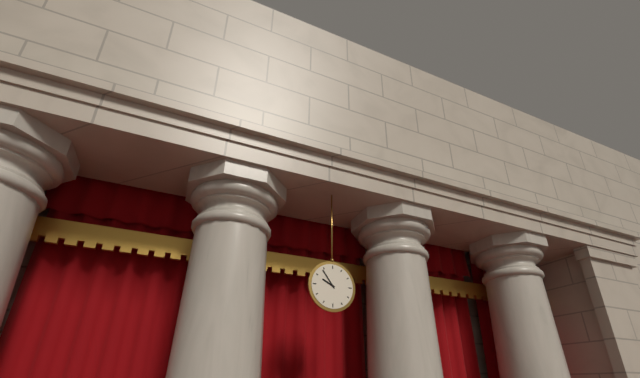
9:54
